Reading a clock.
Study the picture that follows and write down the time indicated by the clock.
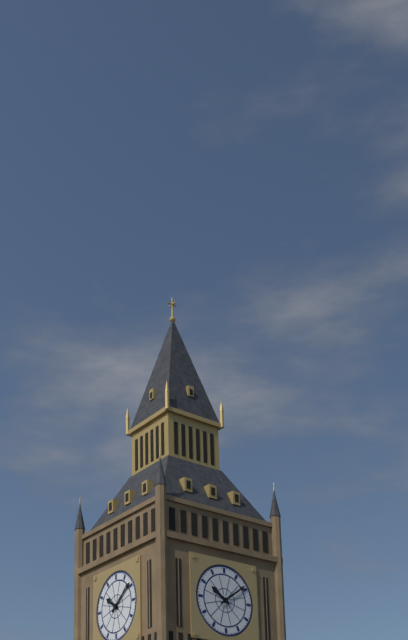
10:09
